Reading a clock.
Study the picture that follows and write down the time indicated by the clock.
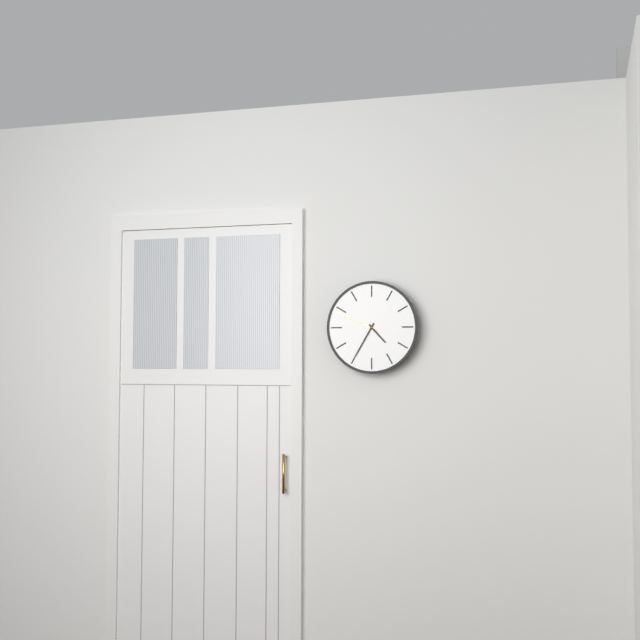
4:35
